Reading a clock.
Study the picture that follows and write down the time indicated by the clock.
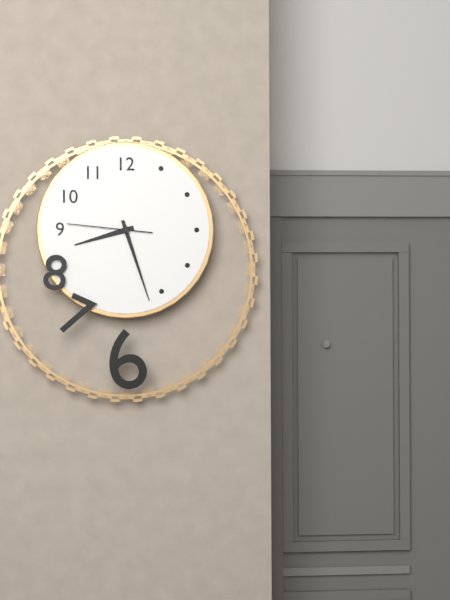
8:27:46
